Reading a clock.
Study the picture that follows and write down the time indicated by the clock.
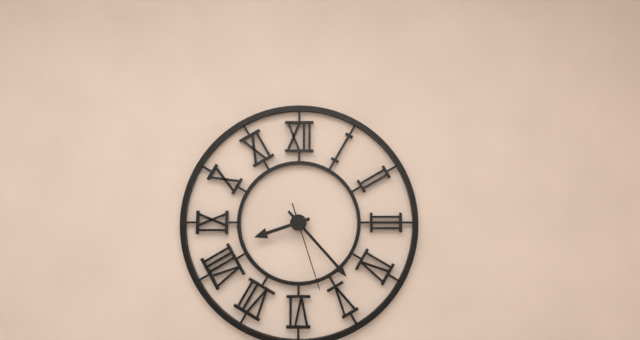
8:23:27
